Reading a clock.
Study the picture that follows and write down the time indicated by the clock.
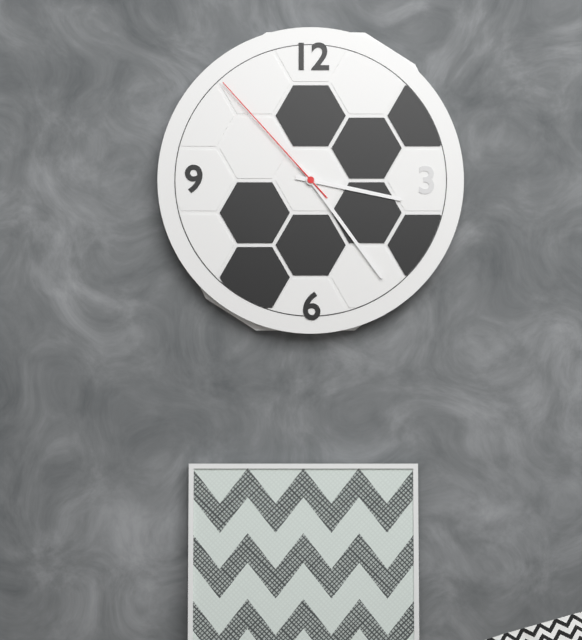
3:24:53
